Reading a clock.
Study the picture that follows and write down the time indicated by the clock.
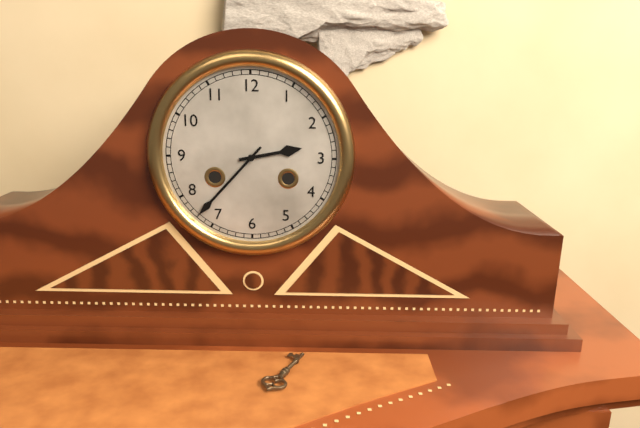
2:37
